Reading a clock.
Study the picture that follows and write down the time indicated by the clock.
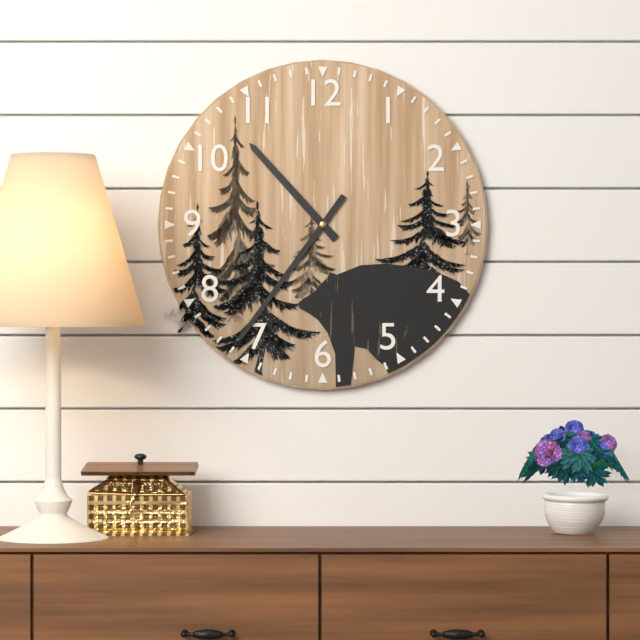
10:36
